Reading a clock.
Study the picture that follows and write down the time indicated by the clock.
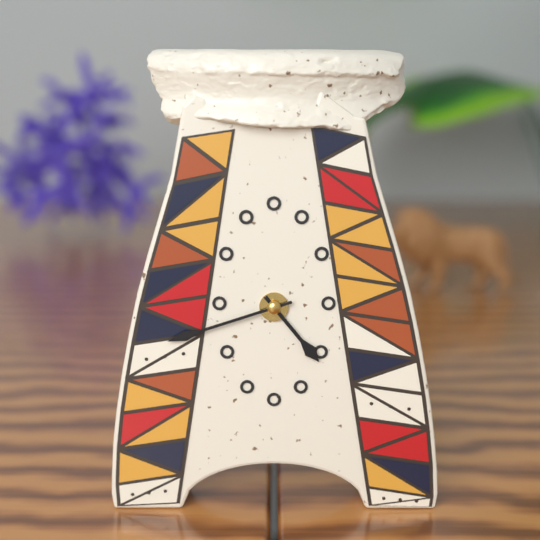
4:42
